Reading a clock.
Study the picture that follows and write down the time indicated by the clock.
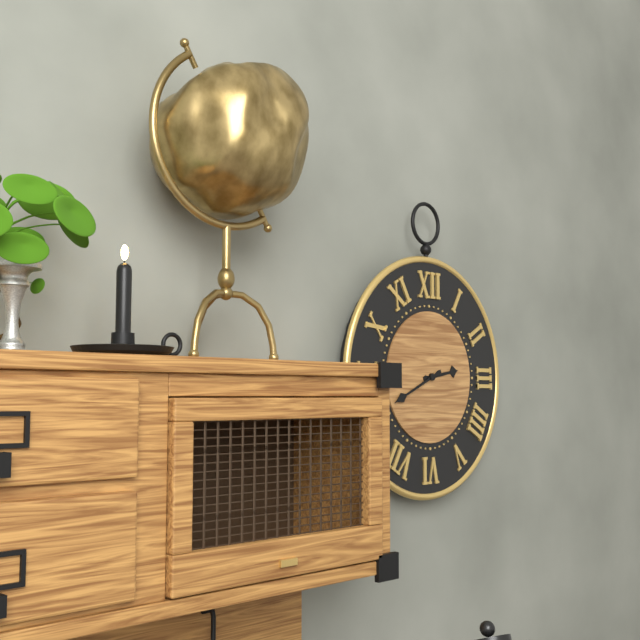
2:41
